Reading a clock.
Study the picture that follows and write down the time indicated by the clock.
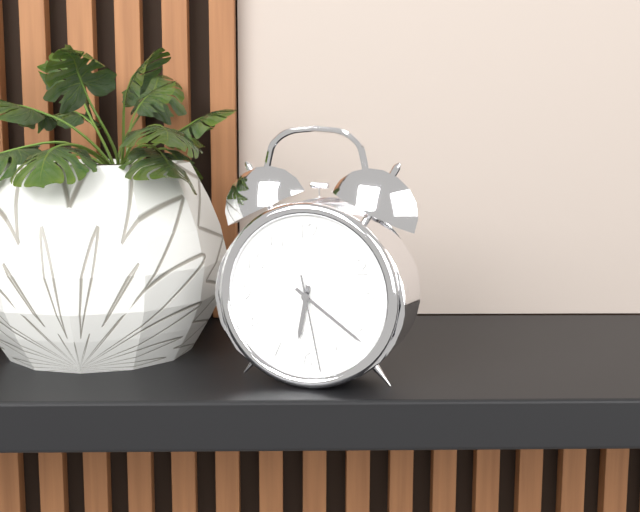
6:21:28
